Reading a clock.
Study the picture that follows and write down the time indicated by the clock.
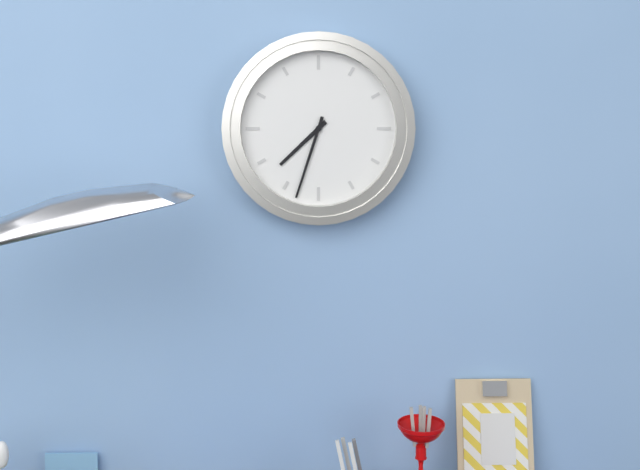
7:33
